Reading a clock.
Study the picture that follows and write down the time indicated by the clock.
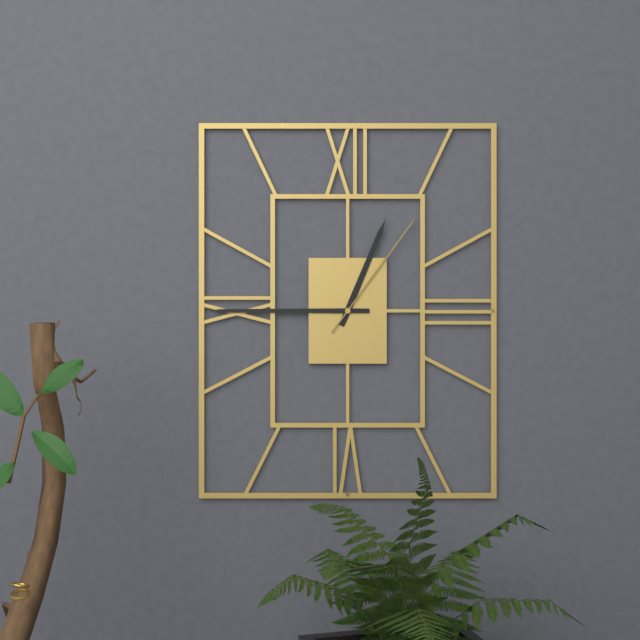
12:45:06
